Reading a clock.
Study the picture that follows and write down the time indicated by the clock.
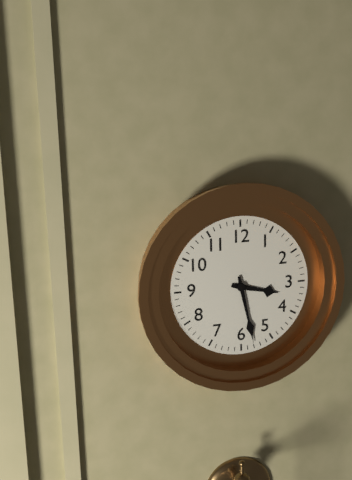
3:28
